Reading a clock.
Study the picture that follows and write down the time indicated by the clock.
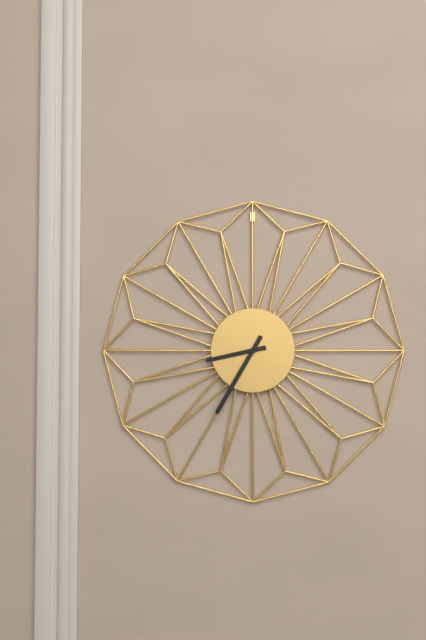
8:35
